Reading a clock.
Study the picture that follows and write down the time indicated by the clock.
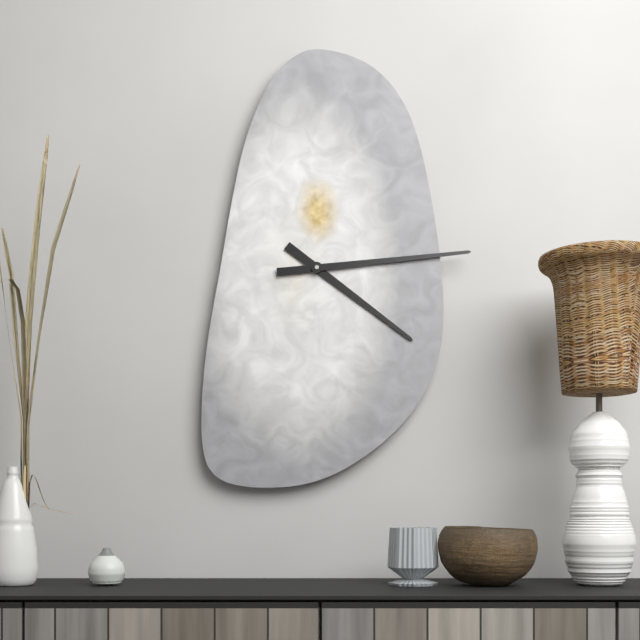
4:14
